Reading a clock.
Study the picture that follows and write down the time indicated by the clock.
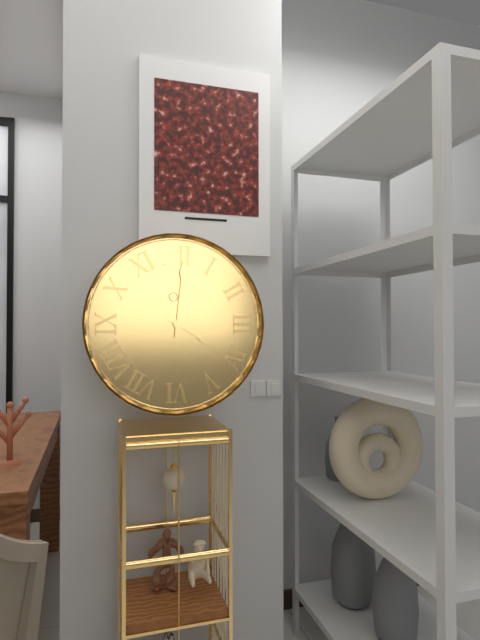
4:01
